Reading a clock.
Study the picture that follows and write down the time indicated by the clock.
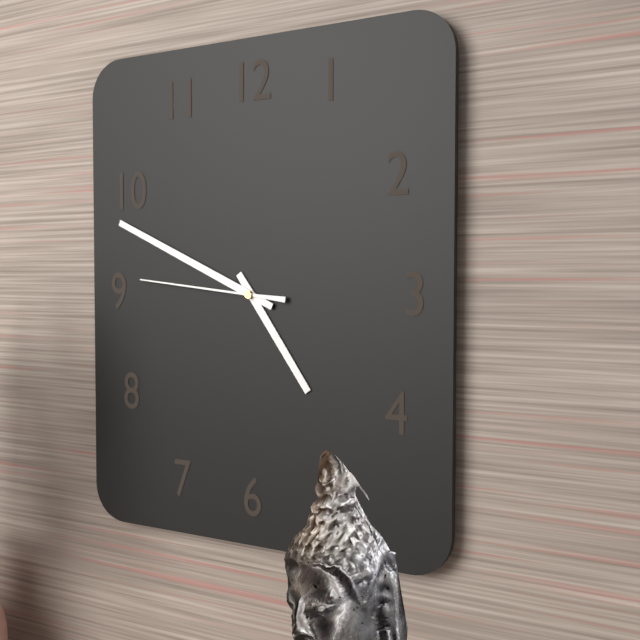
4:49:46
